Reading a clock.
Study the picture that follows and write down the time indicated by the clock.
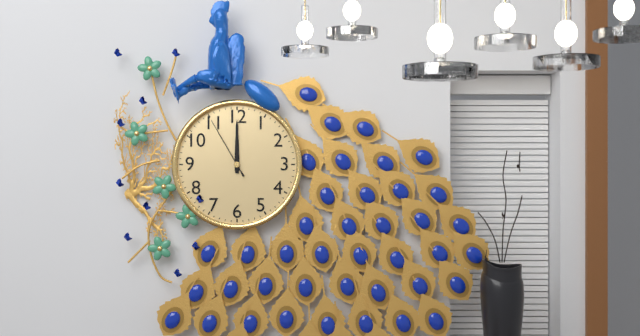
12:00:55
